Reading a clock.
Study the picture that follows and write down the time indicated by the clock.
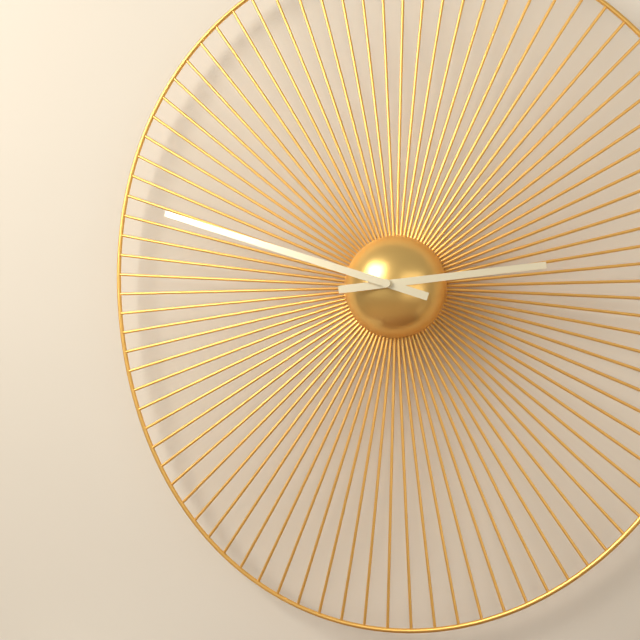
2:48
